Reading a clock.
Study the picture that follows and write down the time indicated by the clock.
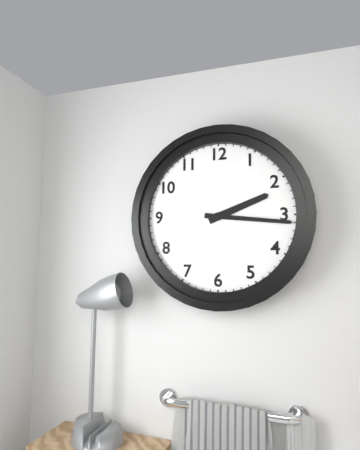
2:16
